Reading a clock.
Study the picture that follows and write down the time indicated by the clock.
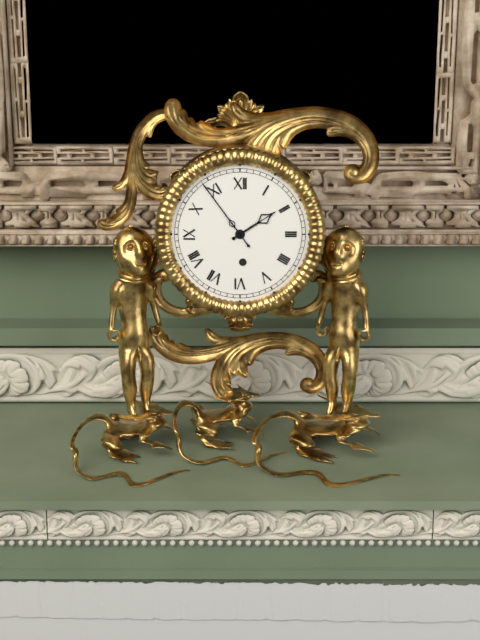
1:54
